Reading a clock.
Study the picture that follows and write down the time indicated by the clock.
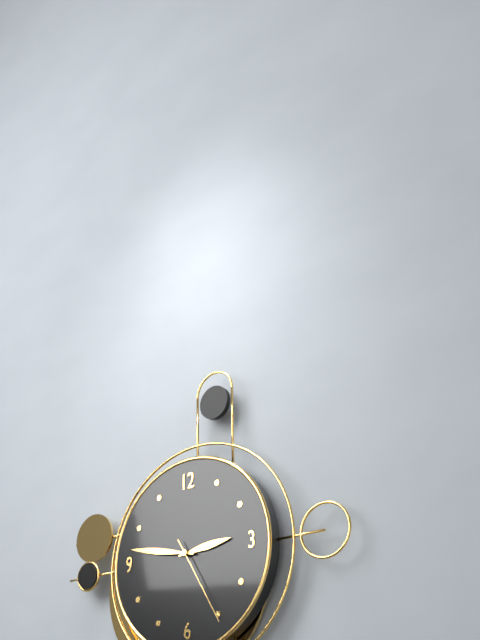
2:47:25
